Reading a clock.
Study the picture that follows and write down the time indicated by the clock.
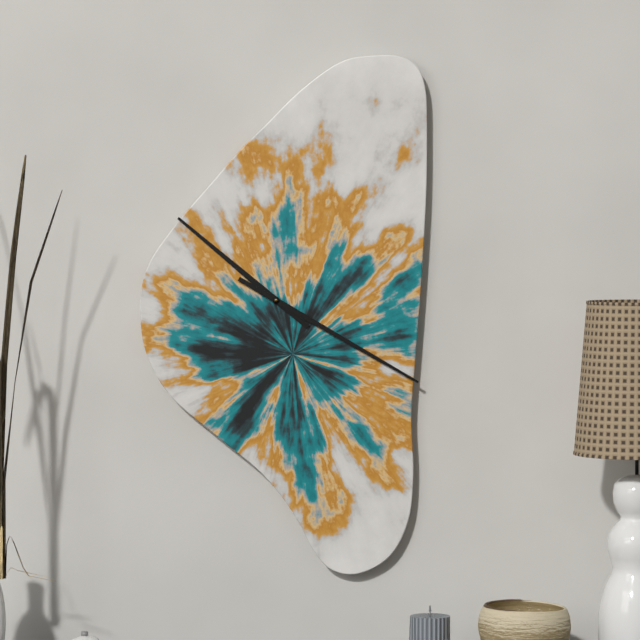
10:20
